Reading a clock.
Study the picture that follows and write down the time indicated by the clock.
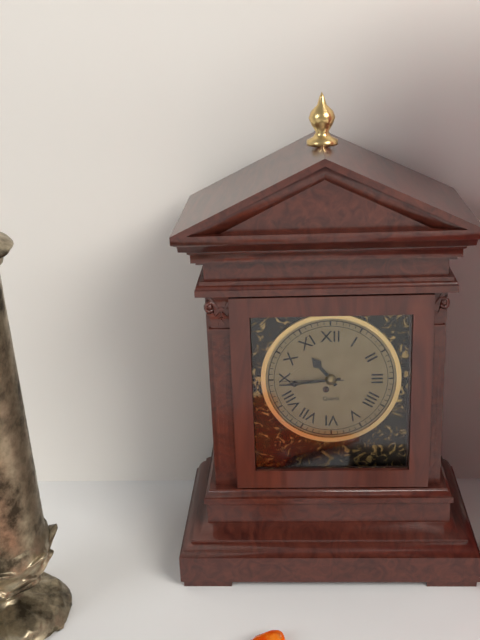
10:44:45
